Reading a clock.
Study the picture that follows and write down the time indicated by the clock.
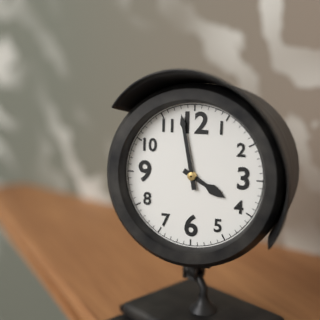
3:58
